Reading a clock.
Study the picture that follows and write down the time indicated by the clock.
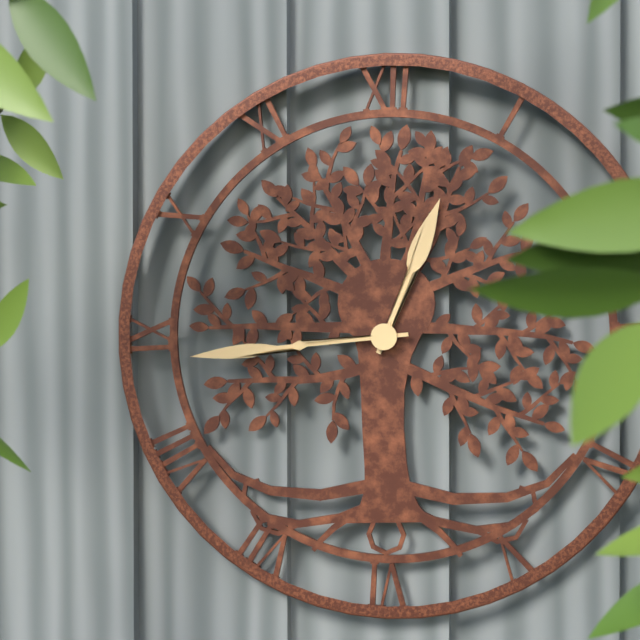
12:44
